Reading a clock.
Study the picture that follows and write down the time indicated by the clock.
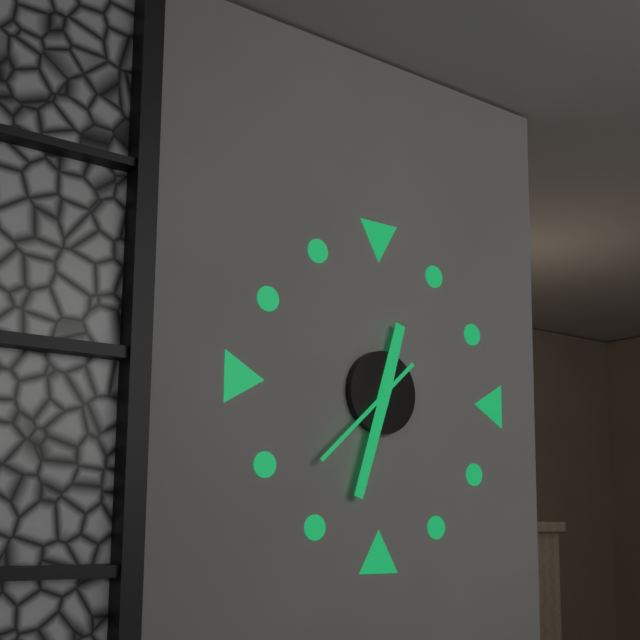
12:33:38
